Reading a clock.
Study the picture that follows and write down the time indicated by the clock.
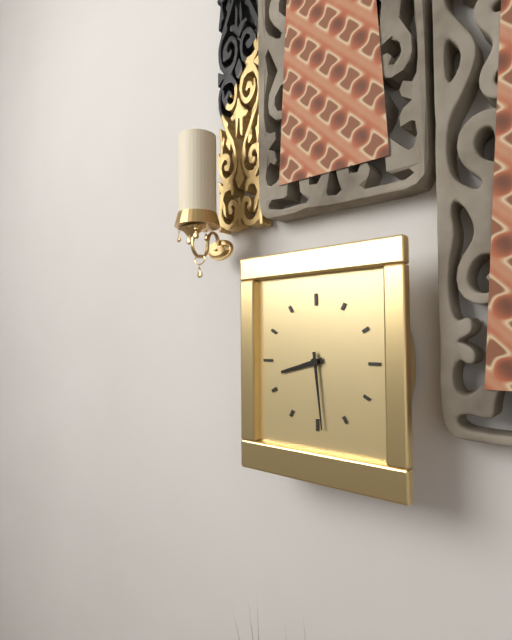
8:29
